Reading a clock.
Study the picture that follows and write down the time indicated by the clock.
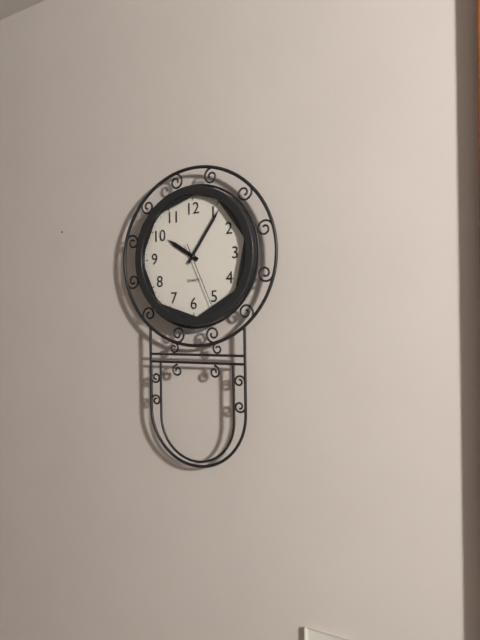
10:06:26
